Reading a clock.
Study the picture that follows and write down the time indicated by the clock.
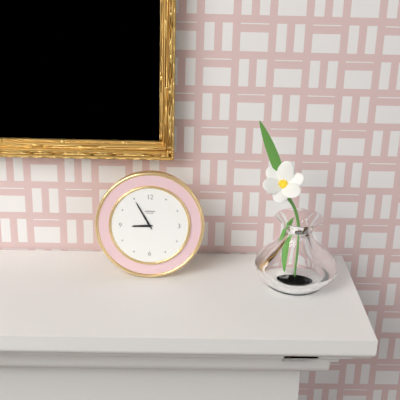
8:55
